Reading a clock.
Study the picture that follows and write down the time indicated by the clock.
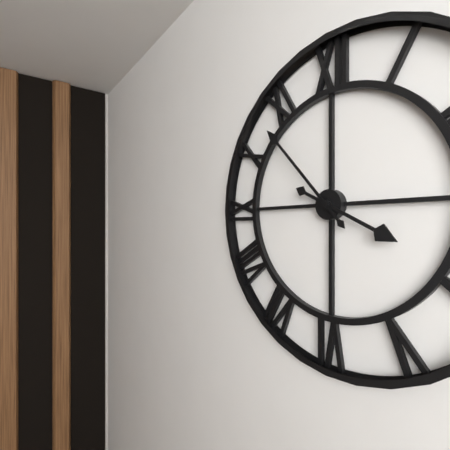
3:53
